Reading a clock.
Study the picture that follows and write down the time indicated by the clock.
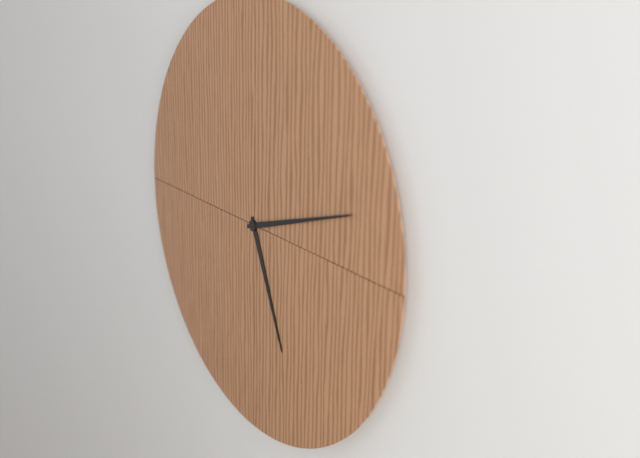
5:12
